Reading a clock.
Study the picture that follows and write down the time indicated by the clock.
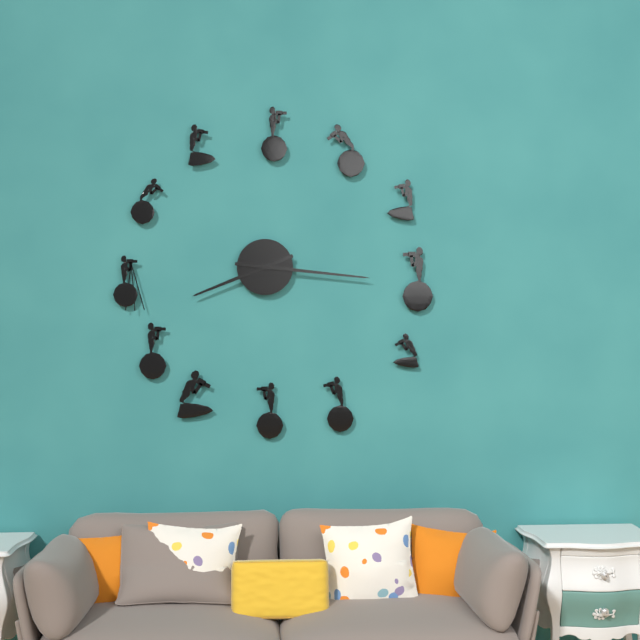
8:16
